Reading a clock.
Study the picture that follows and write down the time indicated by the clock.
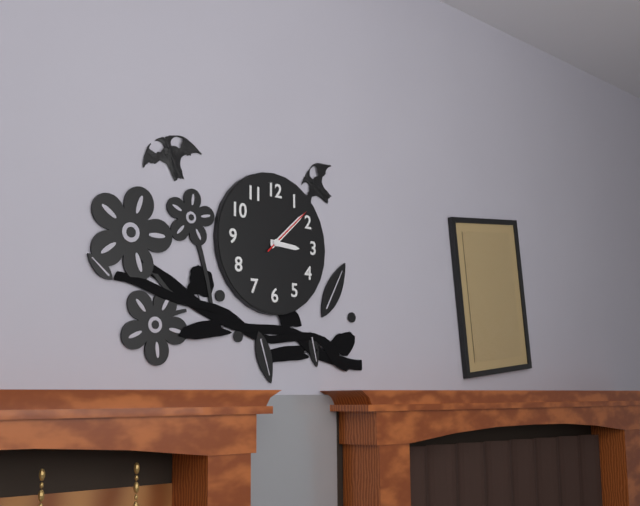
3:08:08
